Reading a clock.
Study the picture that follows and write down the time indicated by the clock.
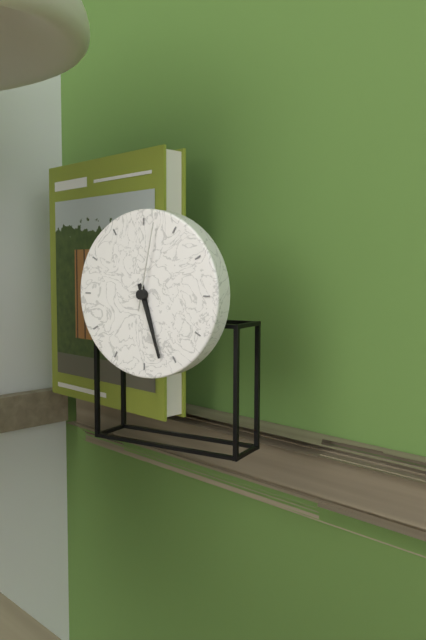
5:27:02
